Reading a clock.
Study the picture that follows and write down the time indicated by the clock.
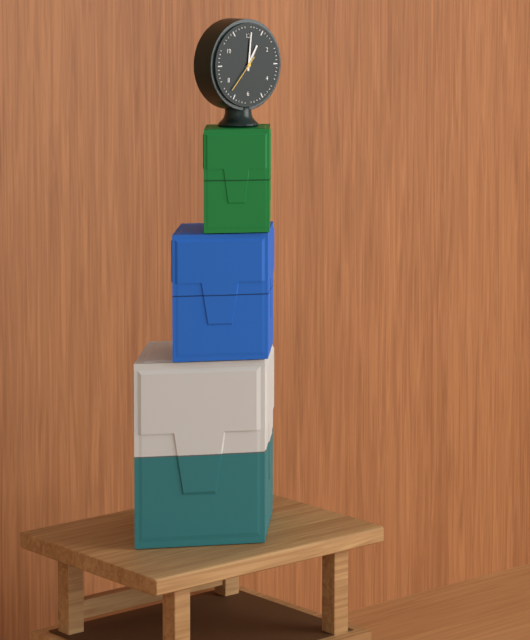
1:01
